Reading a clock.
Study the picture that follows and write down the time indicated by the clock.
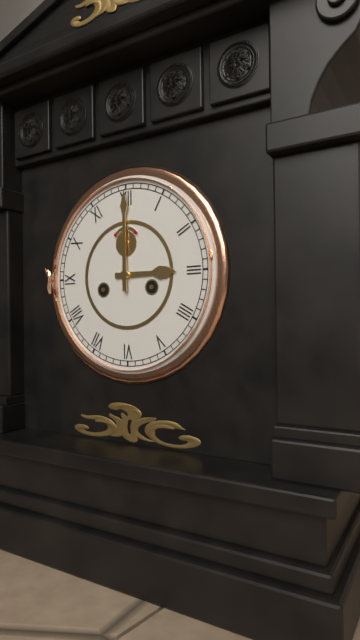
3:00
